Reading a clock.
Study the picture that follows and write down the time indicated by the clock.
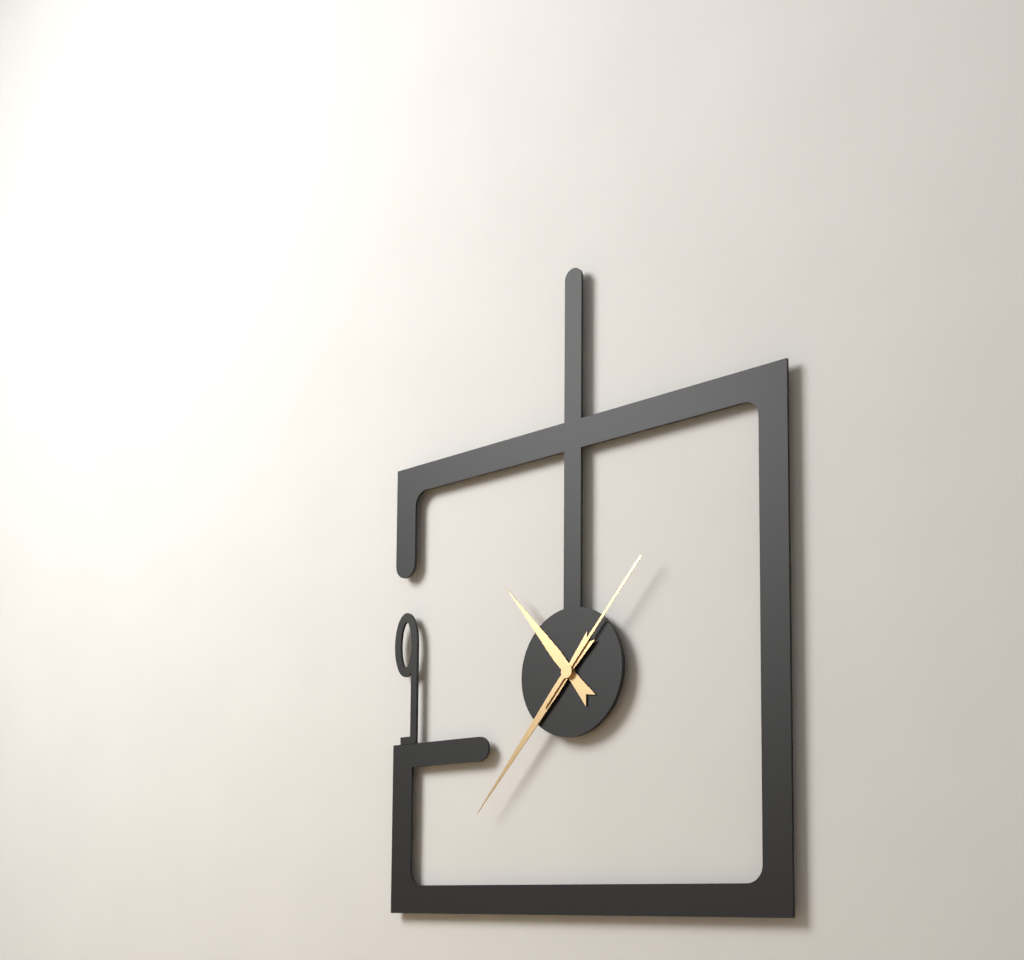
10:37:07
